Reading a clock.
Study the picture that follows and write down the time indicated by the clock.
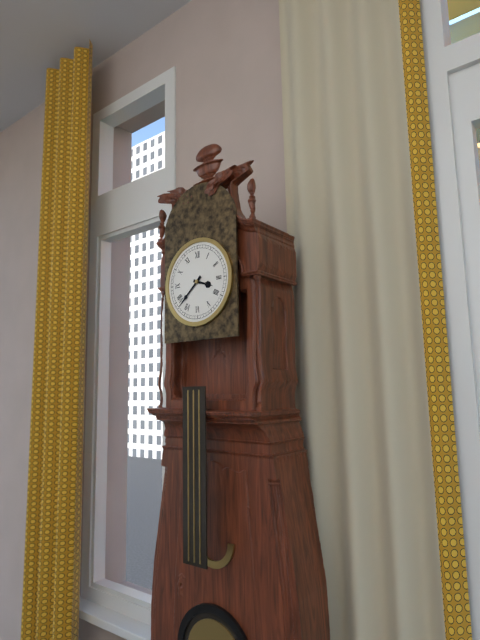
3:38
